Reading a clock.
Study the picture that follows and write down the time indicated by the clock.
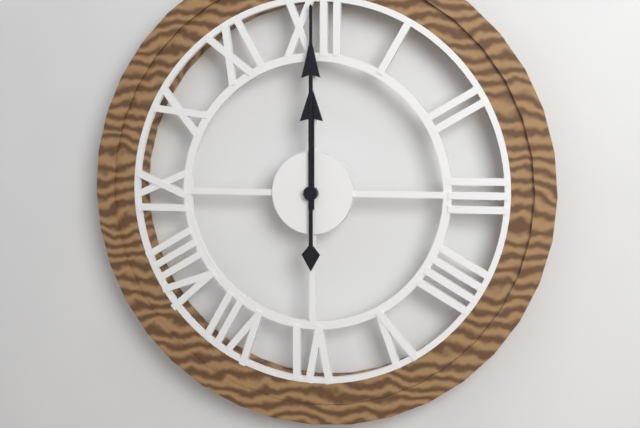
12:00
